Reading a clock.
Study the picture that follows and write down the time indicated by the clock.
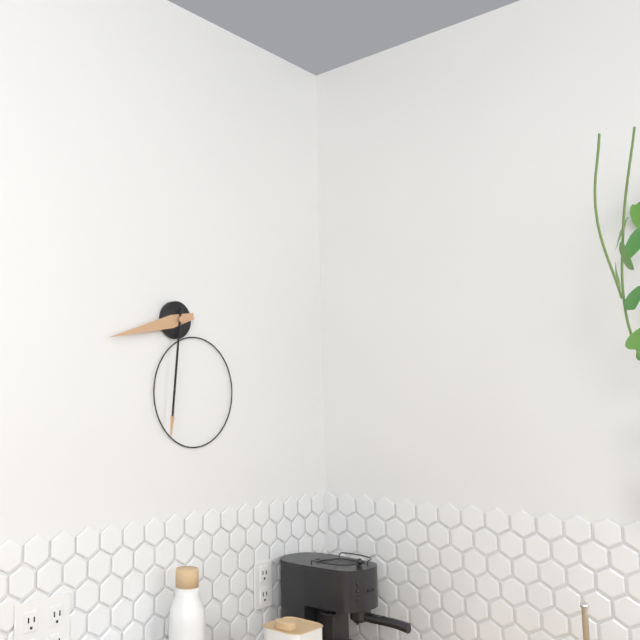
8:31
